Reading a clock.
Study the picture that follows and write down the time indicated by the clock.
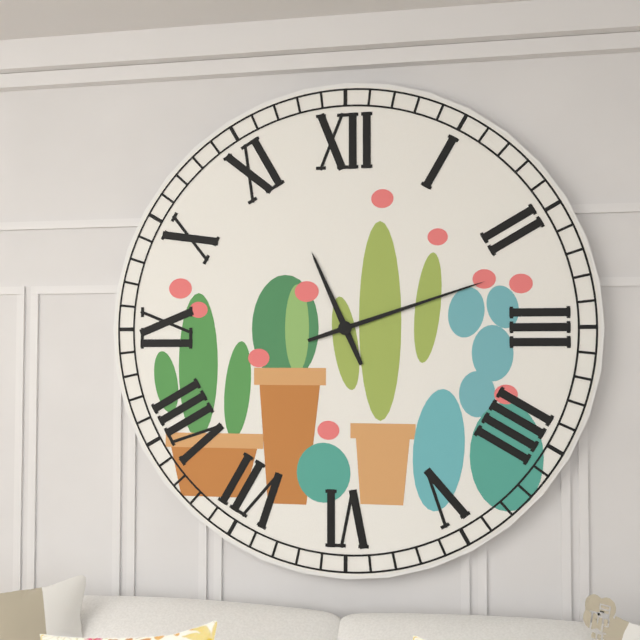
11:12
